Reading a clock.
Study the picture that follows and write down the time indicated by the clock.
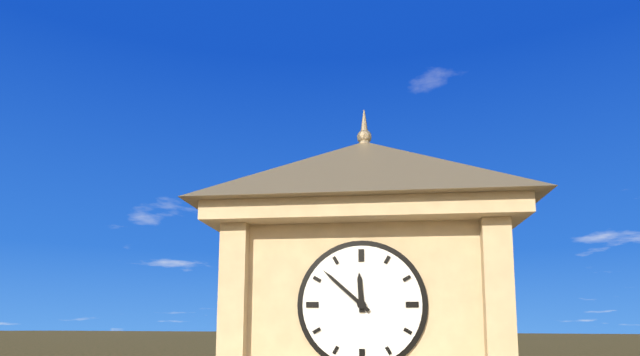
11:52
